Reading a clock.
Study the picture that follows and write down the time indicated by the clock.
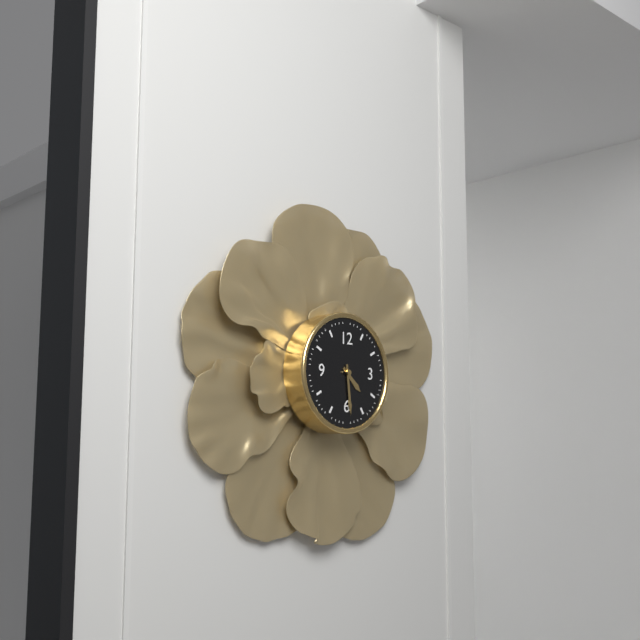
4:29
